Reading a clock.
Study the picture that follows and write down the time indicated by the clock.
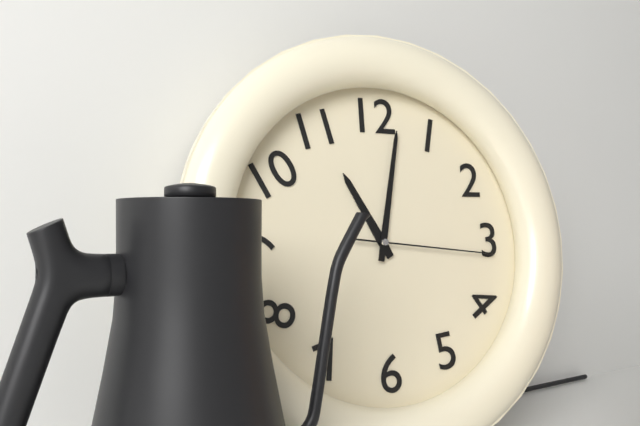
11:02:16
